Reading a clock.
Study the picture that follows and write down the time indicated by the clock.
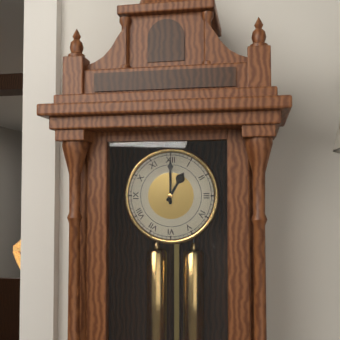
1:00
